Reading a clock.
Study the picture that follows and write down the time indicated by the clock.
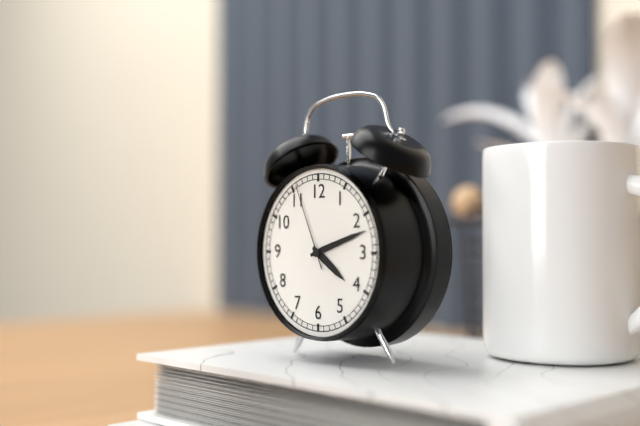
4:12:56
